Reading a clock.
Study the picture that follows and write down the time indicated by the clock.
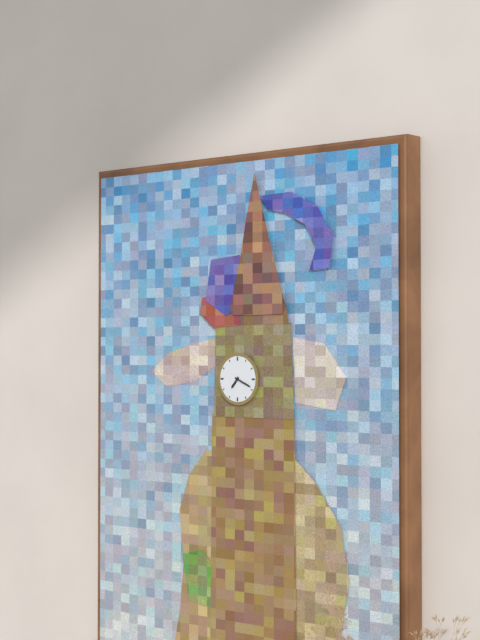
7:19
